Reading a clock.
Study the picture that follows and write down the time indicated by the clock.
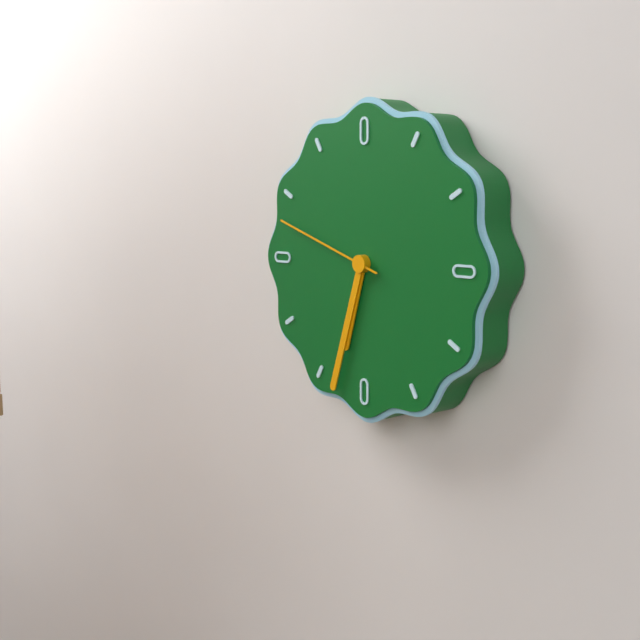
6:33:48
